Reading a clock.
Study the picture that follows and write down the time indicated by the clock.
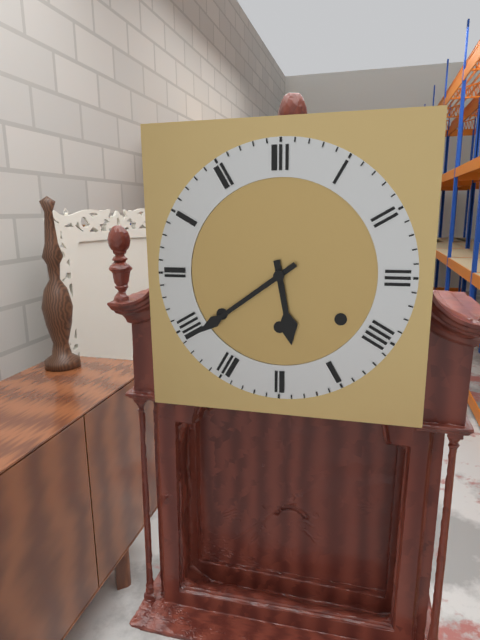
5:39
